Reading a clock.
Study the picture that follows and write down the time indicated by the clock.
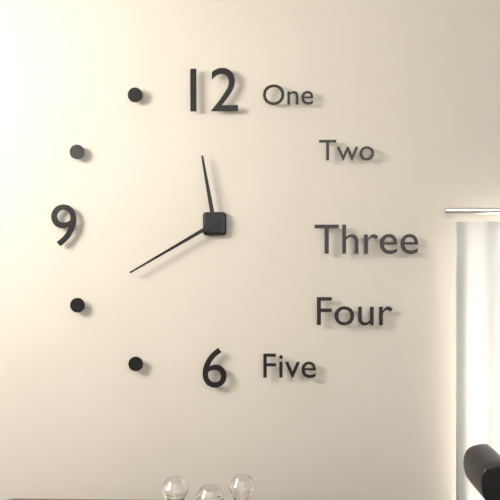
11:40
